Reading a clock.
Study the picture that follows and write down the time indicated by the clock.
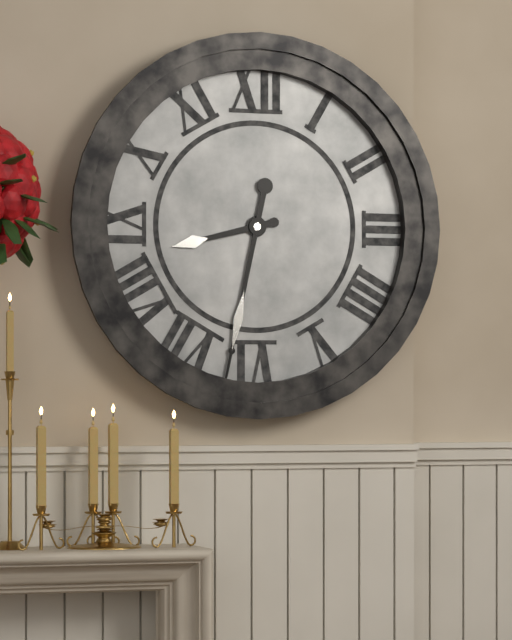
8:32
